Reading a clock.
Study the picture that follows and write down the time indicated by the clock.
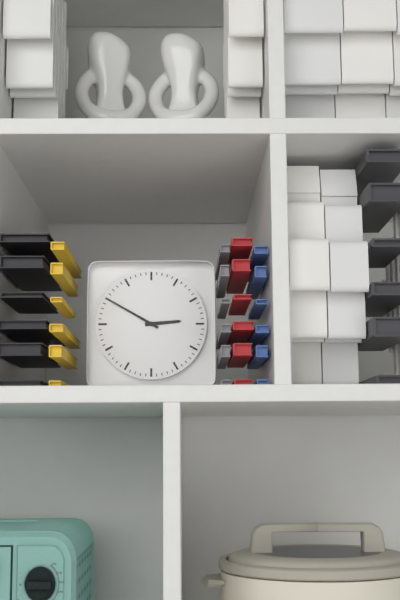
2:50
